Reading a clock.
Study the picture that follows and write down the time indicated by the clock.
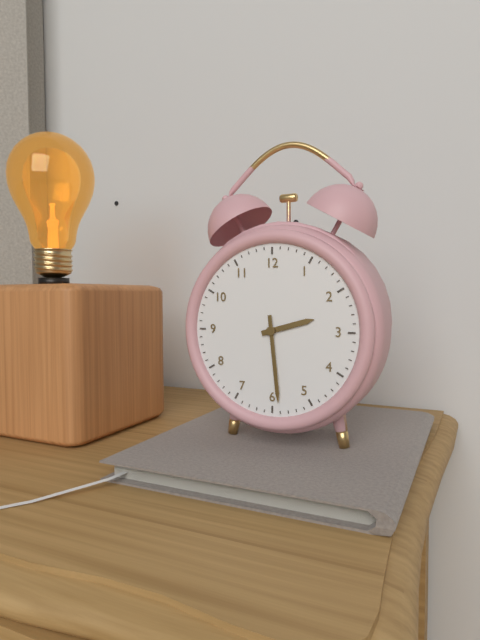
2:29
